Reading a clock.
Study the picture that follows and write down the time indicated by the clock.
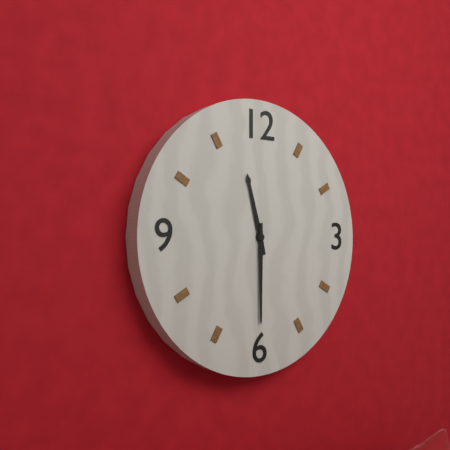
11:30
